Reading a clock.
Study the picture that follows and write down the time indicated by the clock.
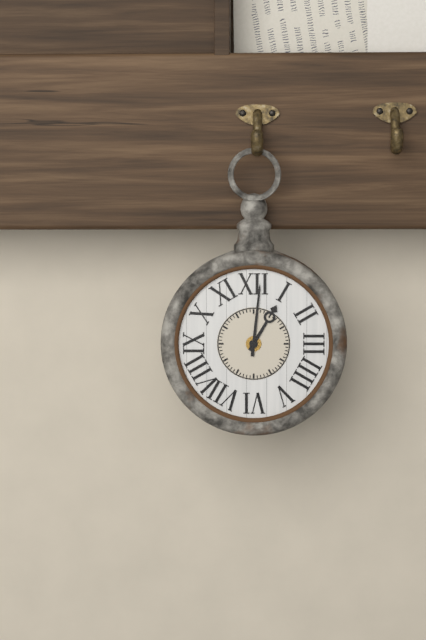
1:01
